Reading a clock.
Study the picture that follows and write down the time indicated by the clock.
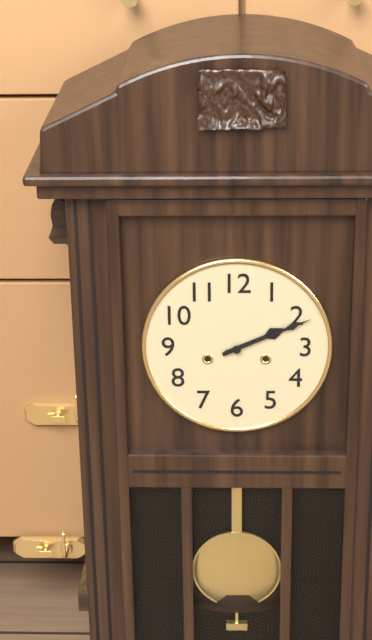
2:11
